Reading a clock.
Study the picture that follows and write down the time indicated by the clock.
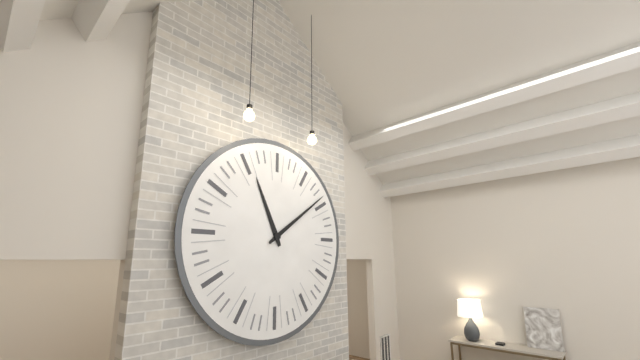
11:09
